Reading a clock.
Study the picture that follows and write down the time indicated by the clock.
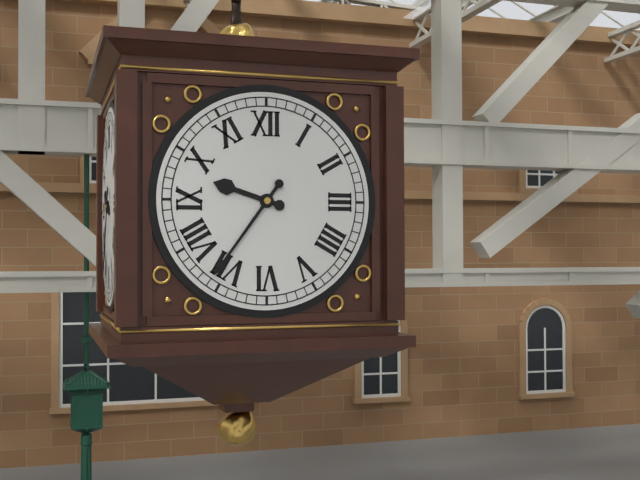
9:36
